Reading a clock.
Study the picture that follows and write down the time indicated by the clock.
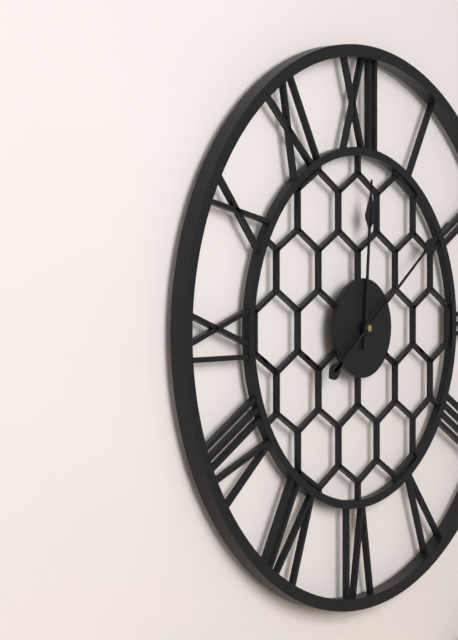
12:09
